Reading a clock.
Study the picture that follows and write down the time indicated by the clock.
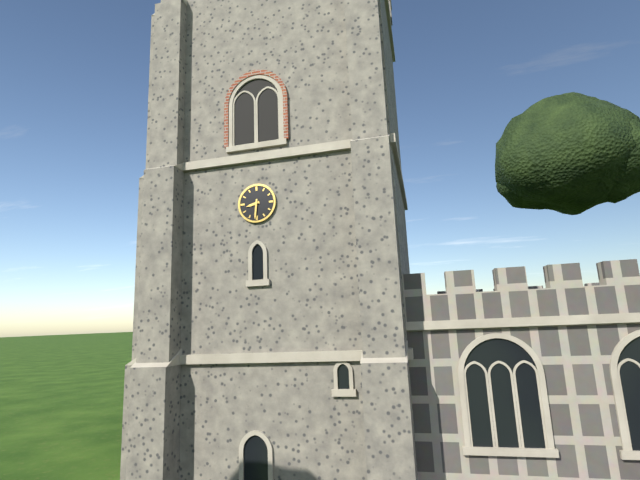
8:31
